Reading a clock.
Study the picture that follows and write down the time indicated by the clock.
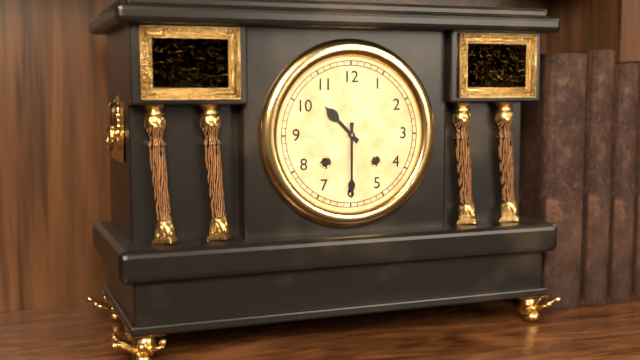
10:30
